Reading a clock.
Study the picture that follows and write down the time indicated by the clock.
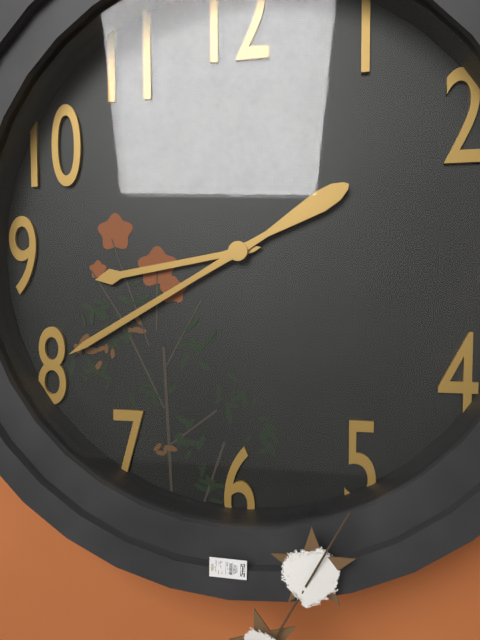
8:40
